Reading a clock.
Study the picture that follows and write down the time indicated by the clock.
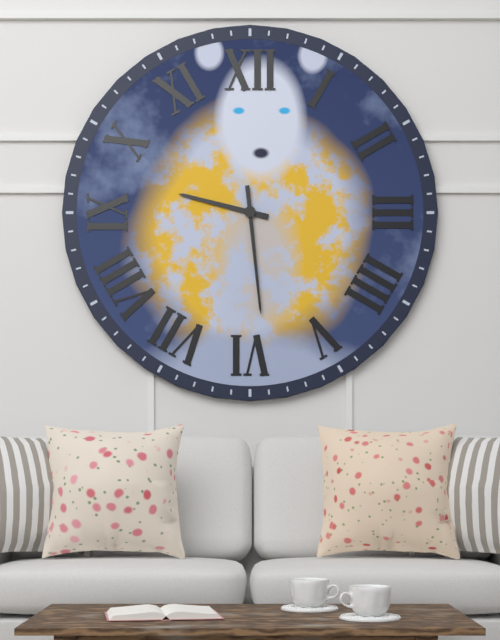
9:29
